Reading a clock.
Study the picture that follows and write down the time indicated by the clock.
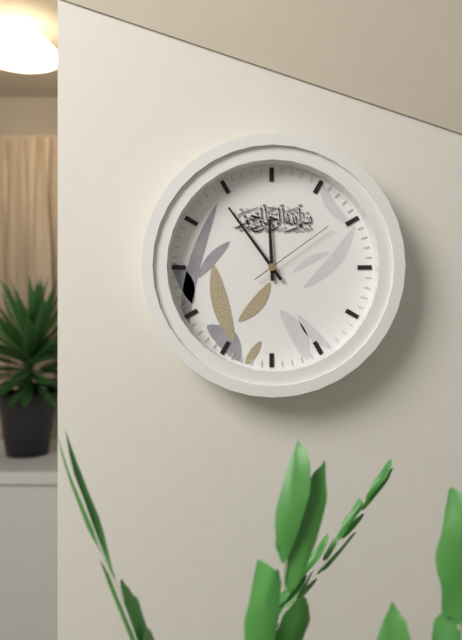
11:54:09
